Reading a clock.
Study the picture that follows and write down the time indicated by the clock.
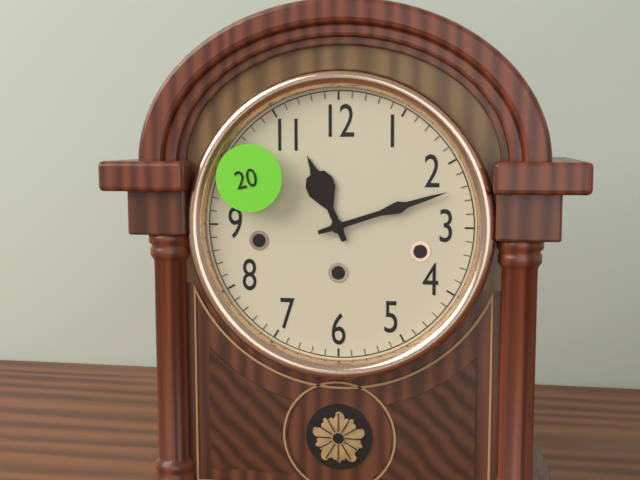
11:12
